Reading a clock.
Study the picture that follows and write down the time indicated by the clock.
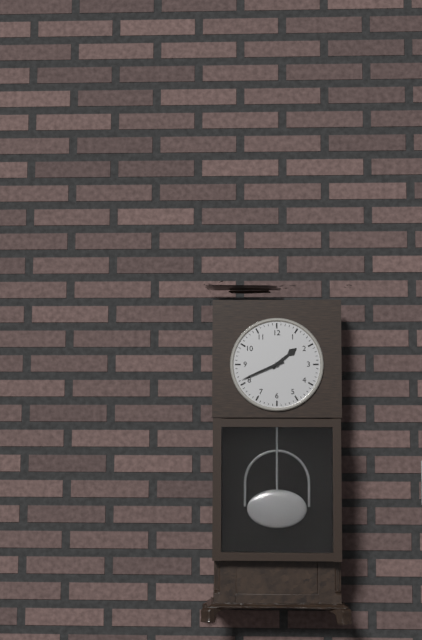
1:41
